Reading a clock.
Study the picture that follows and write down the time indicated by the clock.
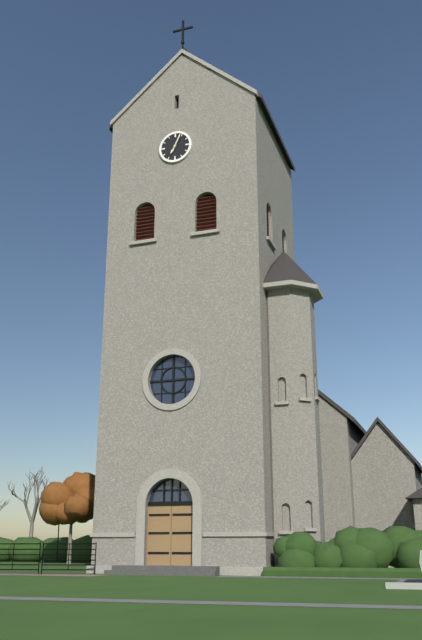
7:04
